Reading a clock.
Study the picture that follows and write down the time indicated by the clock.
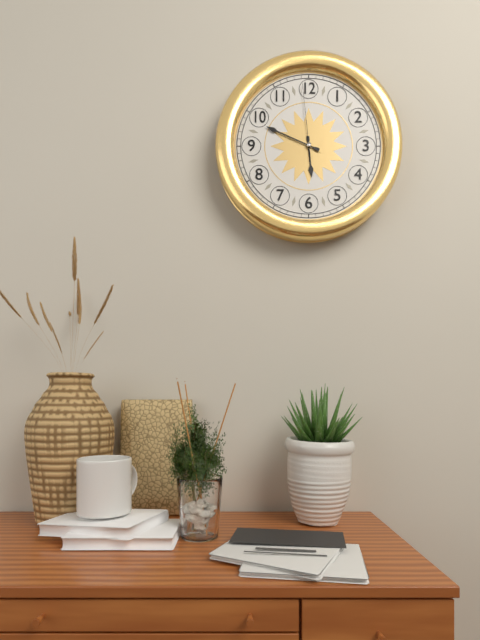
5:49:59
